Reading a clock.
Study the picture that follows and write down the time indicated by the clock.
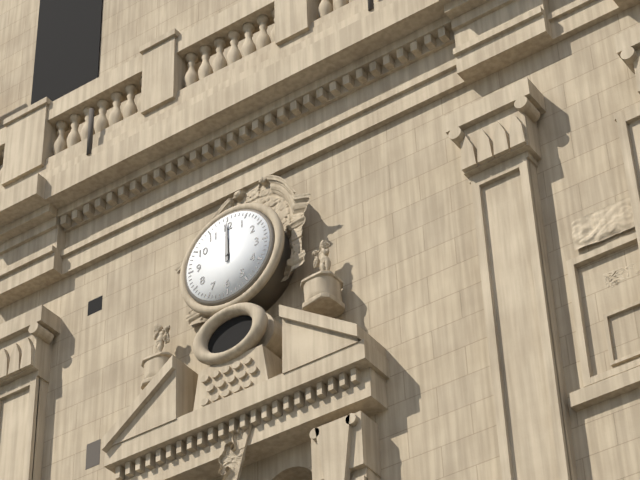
12:00
